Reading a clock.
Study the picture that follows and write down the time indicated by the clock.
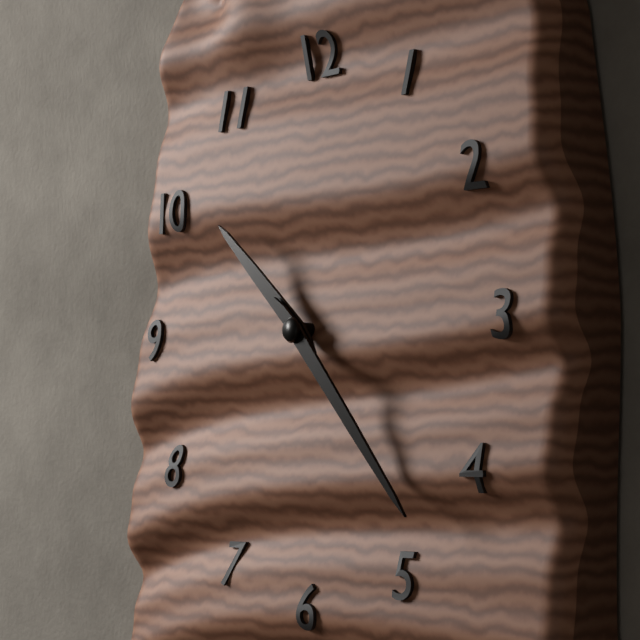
10:23
